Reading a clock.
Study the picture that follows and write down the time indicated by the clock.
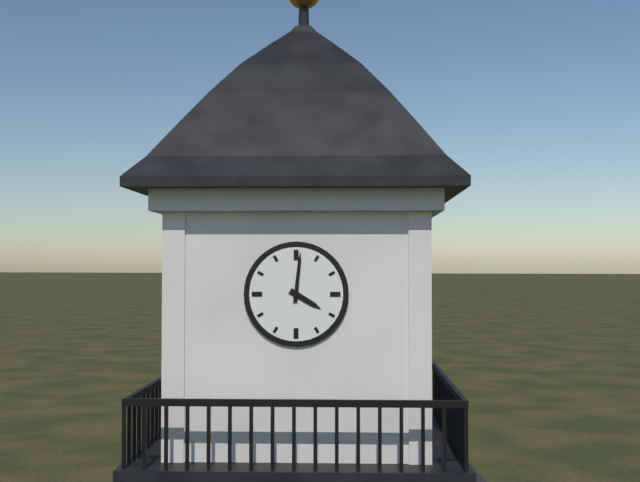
4:01
